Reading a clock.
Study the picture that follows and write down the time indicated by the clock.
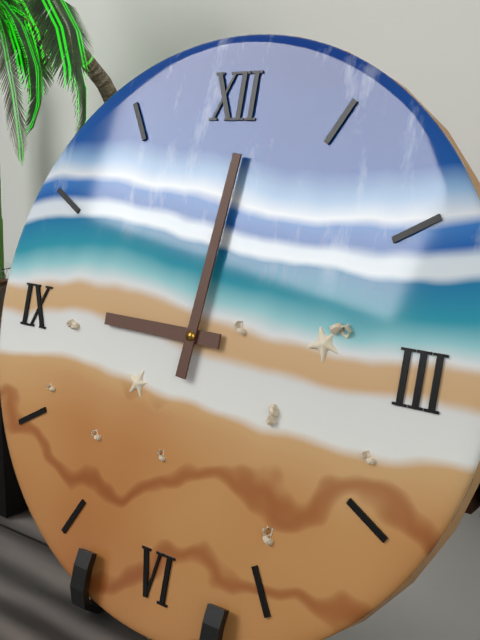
9:01
